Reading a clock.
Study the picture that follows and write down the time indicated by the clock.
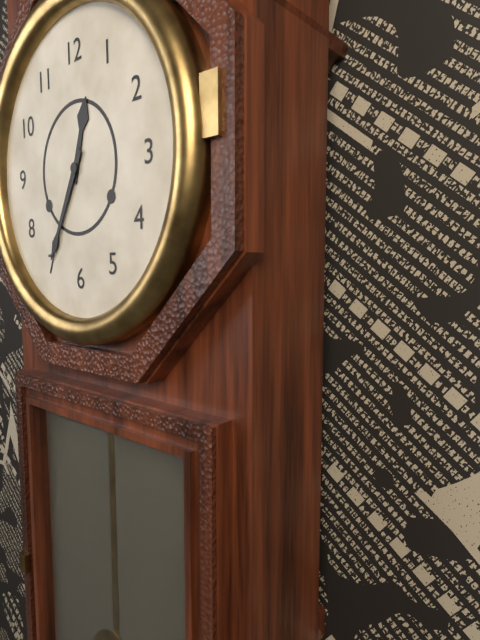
12:35
